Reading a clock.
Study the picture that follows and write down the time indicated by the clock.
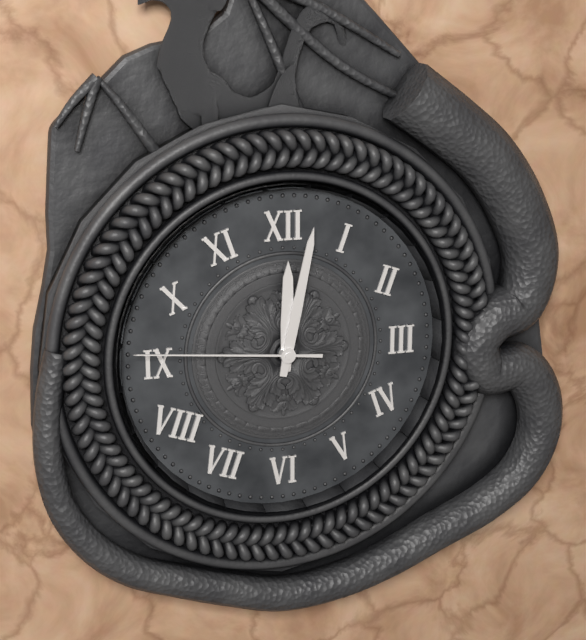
12:02:46
